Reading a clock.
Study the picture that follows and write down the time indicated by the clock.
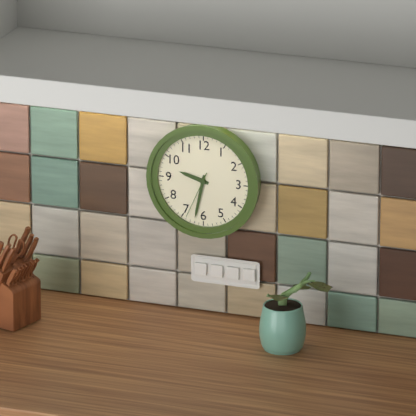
9:32
